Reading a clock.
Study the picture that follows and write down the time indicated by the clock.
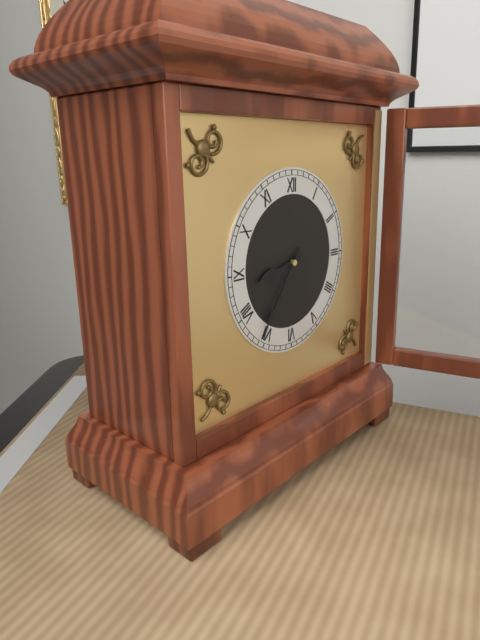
8:36
